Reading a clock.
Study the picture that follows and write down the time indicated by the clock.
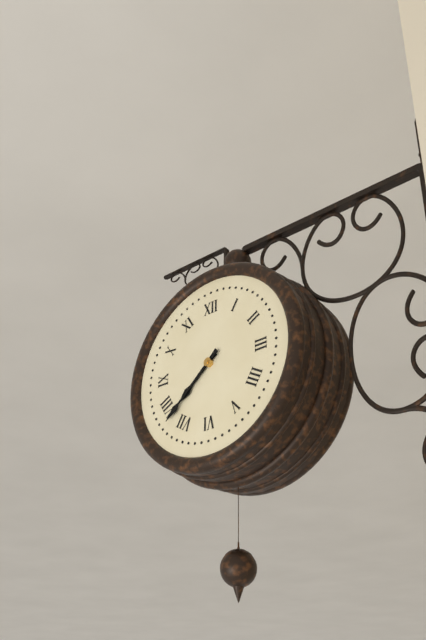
7:38
